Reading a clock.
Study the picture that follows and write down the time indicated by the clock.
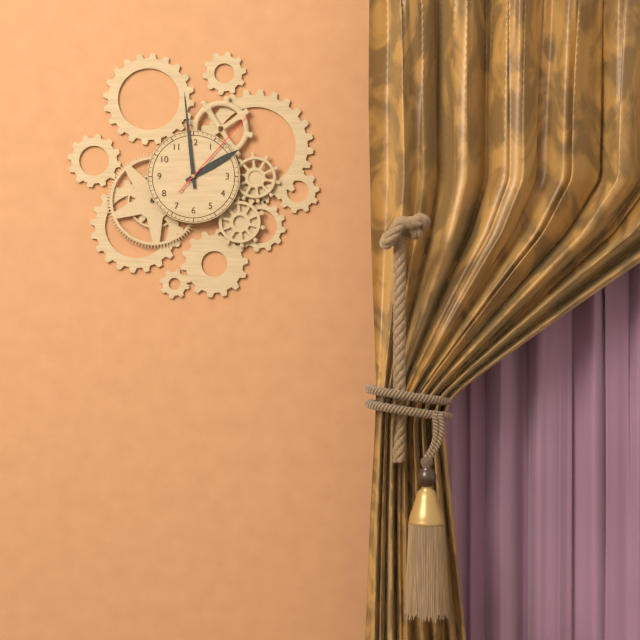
1:59:07
